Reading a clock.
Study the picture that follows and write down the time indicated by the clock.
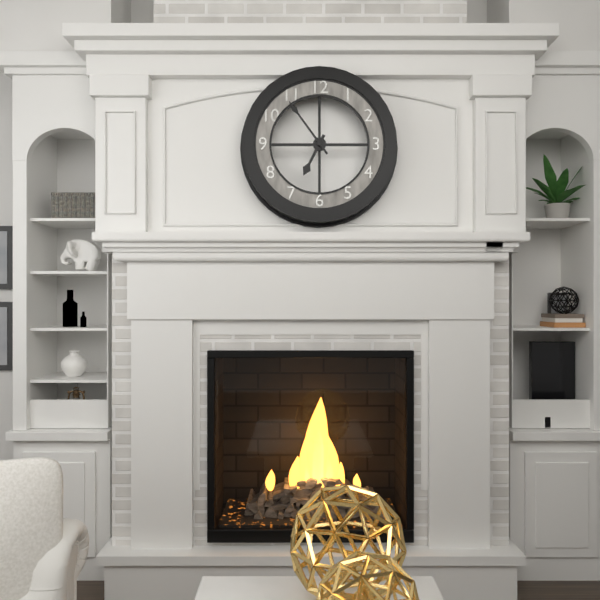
6:54
